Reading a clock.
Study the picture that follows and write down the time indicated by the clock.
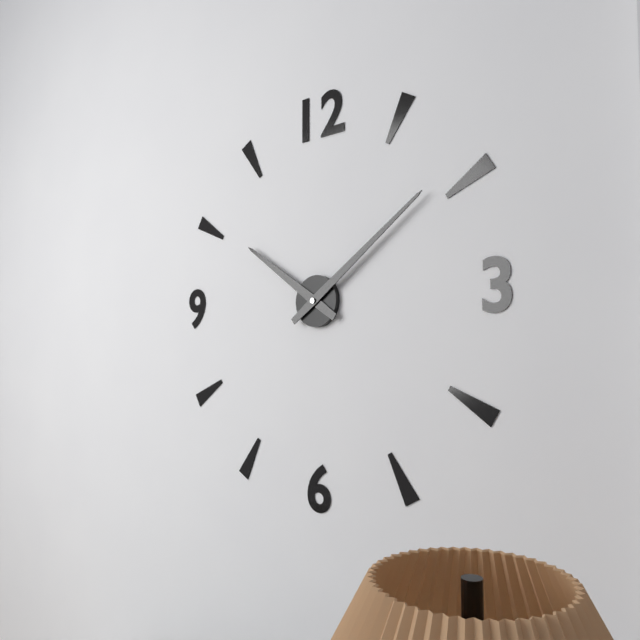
10:09
